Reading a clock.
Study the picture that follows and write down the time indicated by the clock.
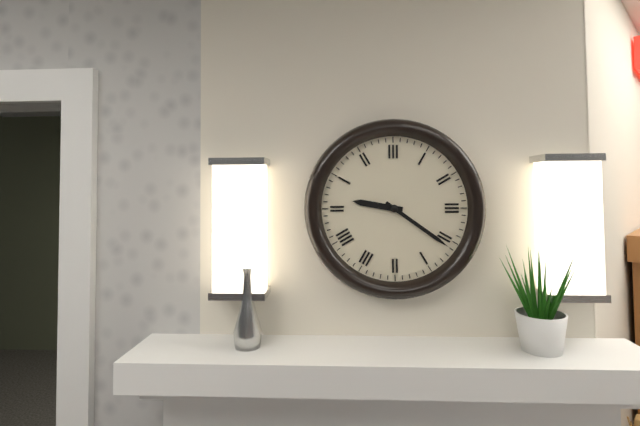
9:21
